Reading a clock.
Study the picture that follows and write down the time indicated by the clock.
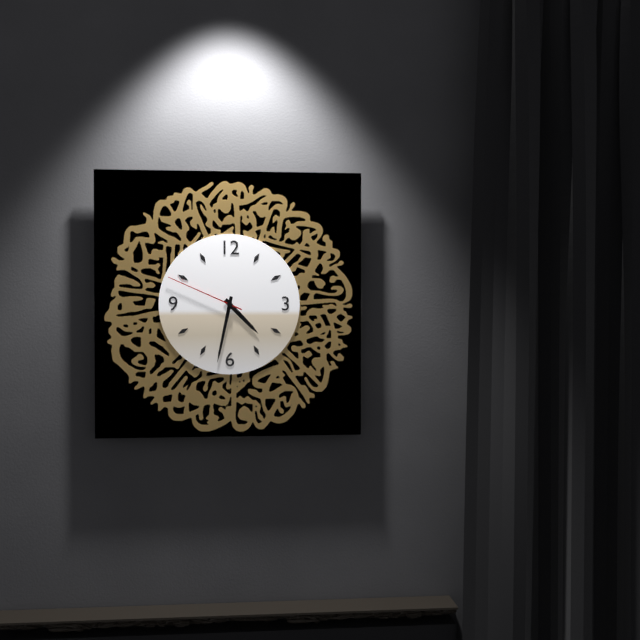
4:32:49
